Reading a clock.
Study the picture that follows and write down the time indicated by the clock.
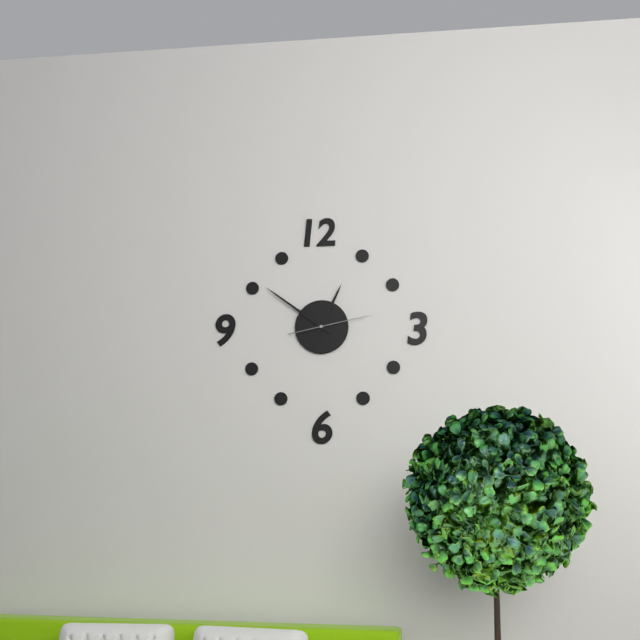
12:51:13
